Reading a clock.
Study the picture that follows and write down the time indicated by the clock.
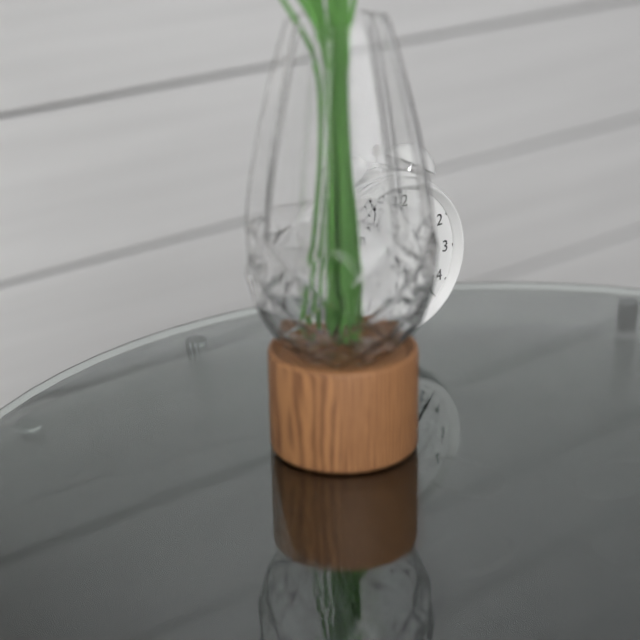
5:23
